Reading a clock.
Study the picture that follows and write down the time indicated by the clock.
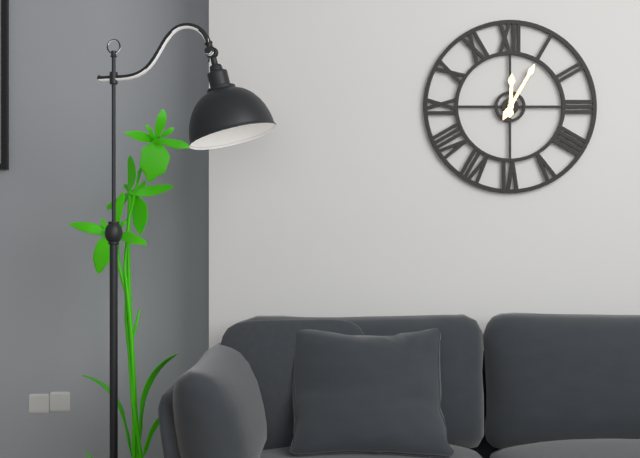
12:05
